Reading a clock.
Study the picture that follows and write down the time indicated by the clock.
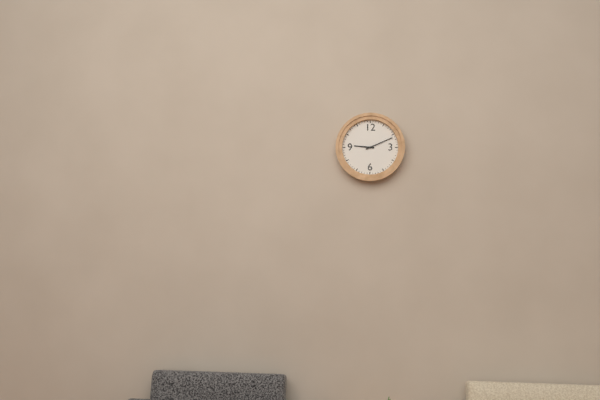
9:11
